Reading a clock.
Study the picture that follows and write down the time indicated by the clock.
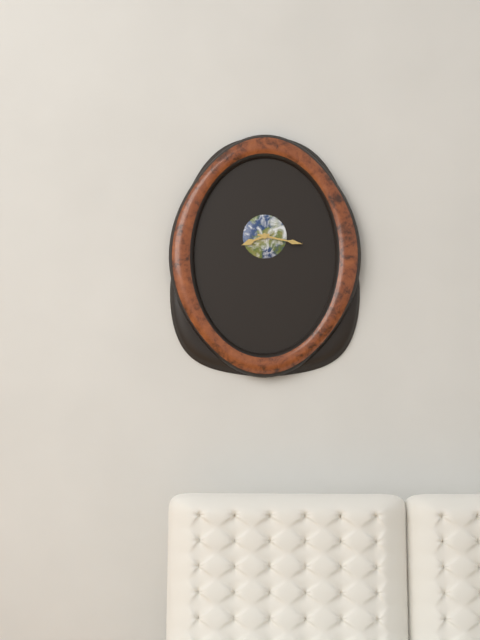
8:17
